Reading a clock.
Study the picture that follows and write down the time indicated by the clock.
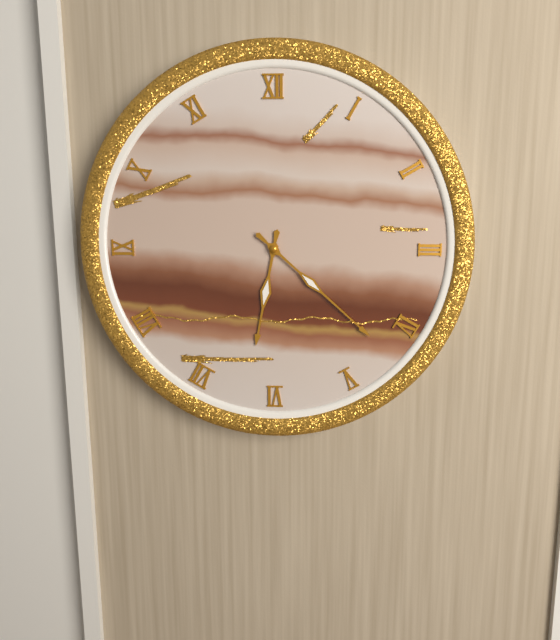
6:22
